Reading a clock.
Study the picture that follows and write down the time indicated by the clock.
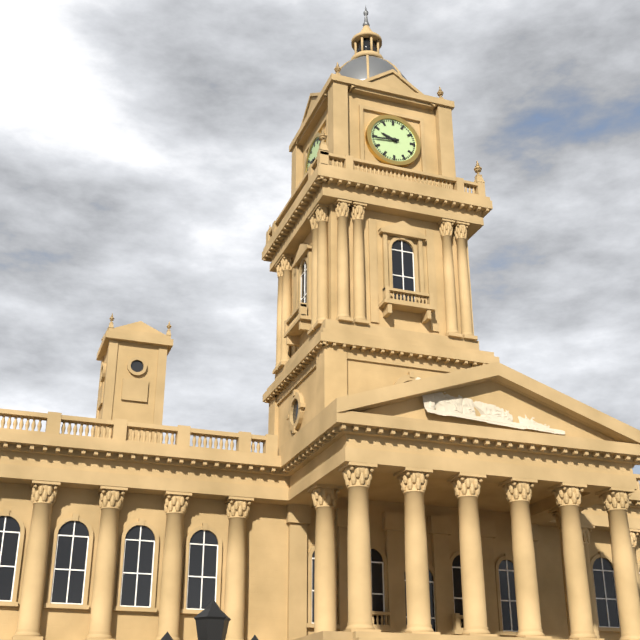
9:44
